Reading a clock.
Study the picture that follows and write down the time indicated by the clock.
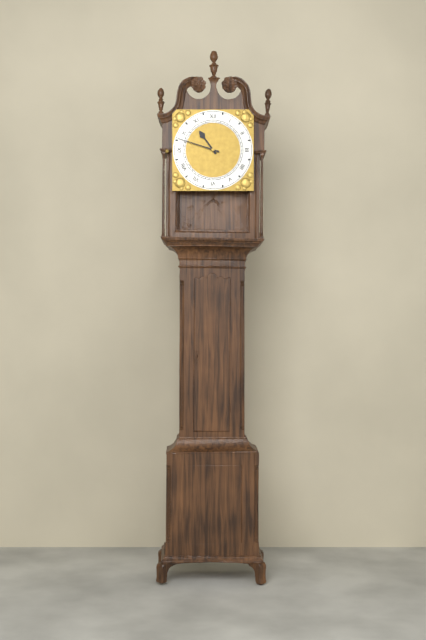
10:48
